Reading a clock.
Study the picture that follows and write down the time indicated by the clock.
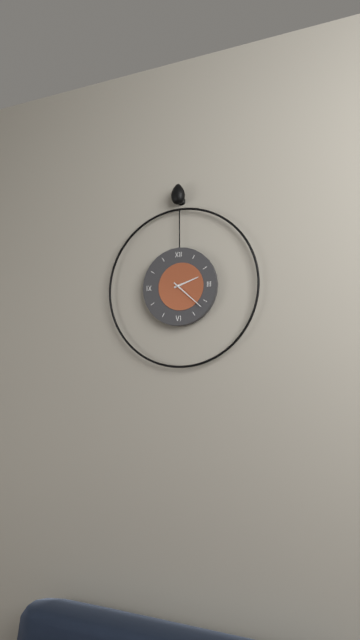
2:22
